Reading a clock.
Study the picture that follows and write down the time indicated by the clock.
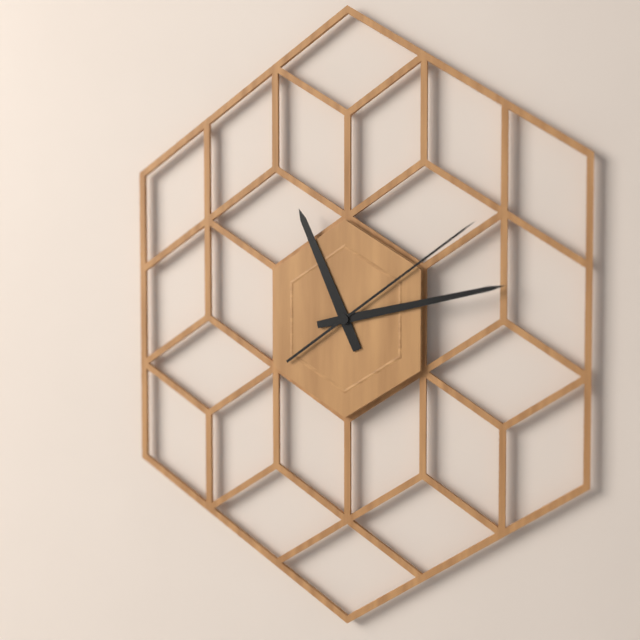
11:13:09
